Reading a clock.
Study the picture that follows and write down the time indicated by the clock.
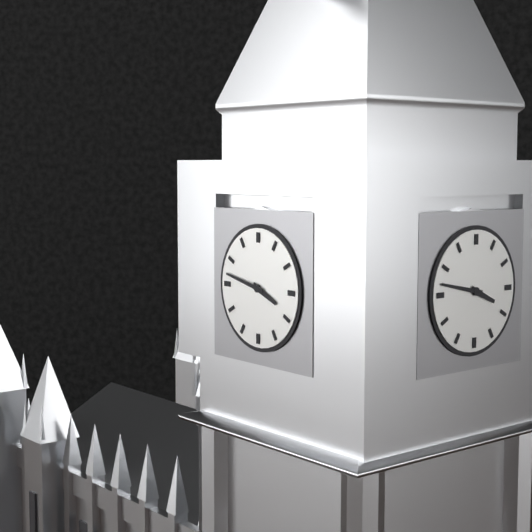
3:47
